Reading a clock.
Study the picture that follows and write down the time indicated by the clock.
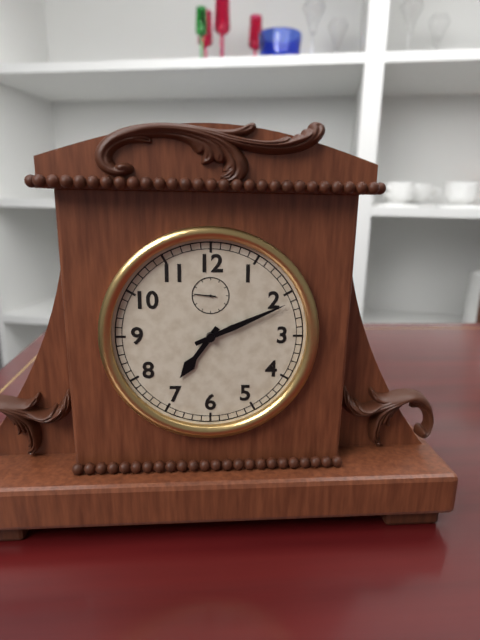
7:11
